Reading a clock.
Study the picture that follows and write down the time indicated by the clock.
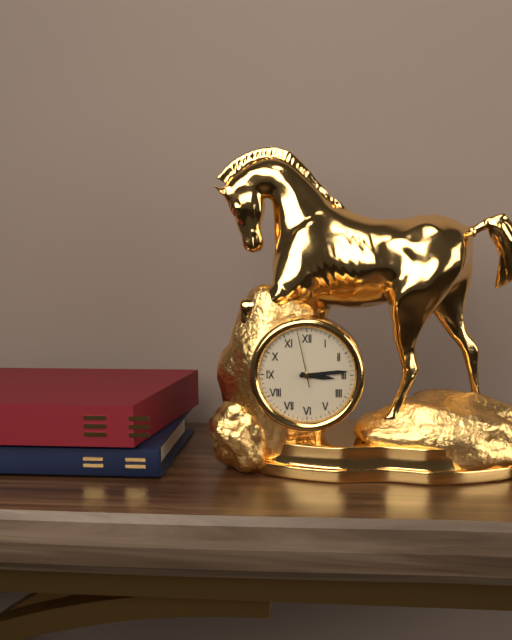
3:14:58
